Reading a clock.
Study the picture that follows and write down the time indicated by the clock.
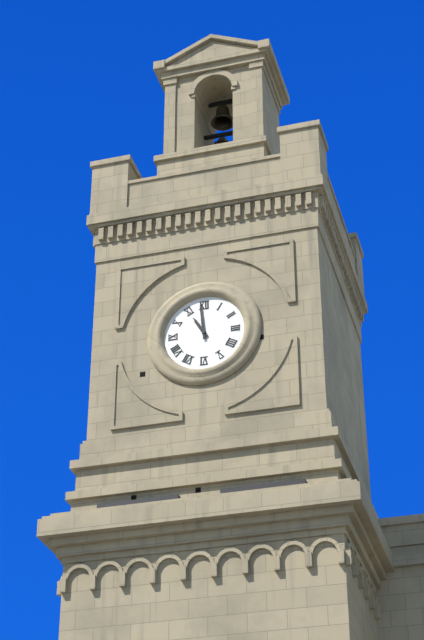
10:59
